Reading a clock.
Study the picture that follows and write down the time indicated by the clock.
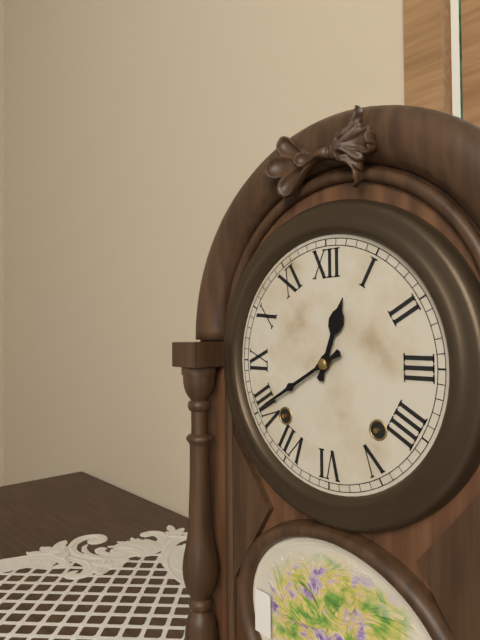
12:40
